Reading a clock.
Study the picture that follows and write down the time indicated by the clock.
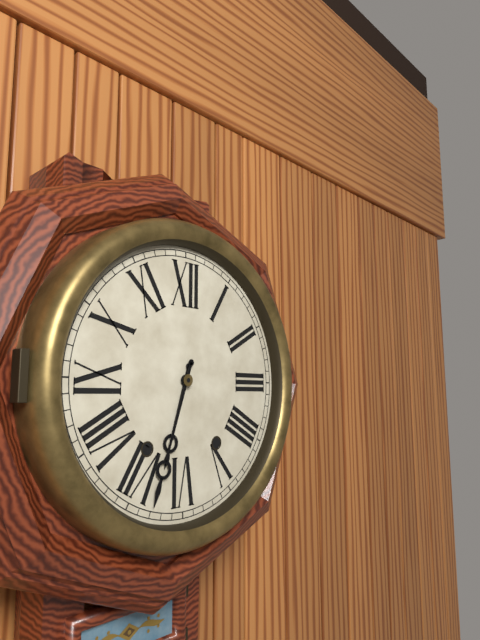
6:33
